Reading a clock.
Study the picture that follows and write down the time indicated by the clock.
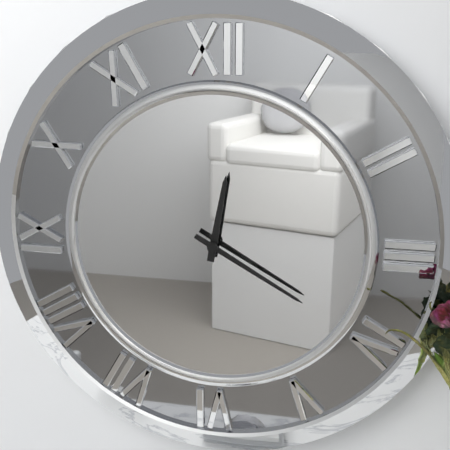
12:20
